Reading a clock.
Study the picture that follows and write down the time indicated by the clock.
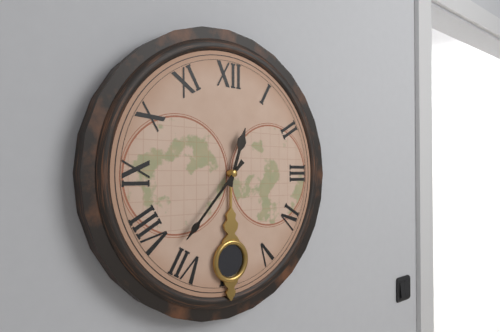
12:37
